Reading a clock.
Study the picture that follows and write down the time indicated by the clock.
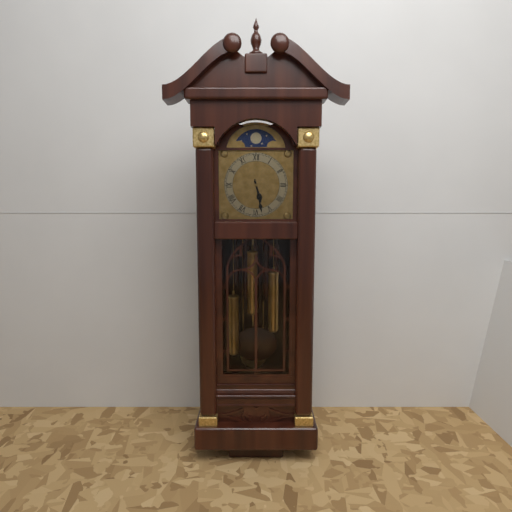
5:28
